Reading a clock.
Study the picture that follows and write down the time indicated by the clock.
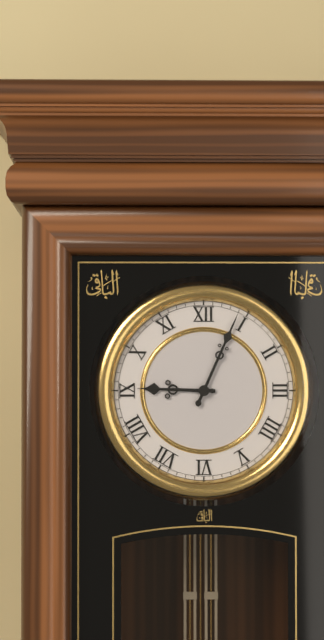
9:04
